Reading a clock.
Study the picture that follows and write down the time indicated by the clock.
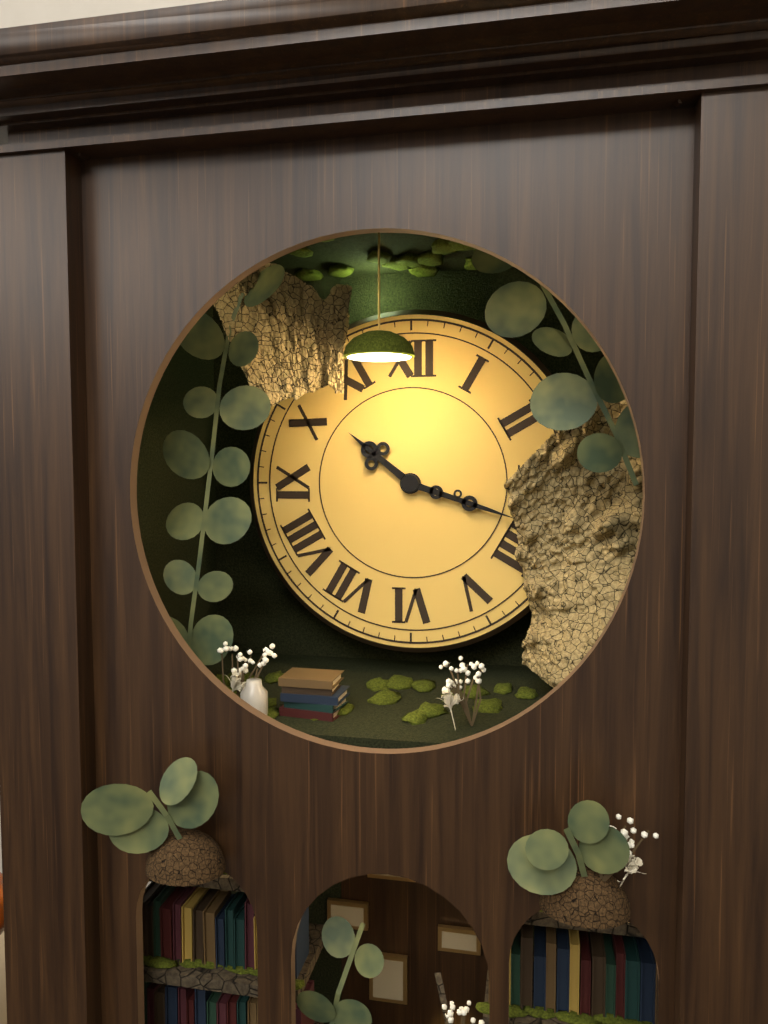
10:18
